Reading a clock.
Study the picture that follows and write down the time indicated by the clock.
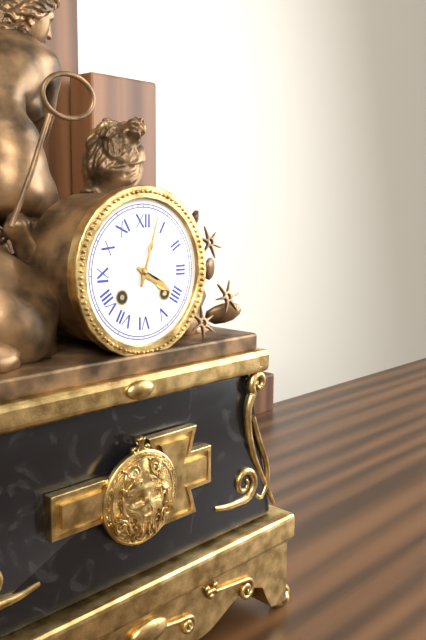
4:03
